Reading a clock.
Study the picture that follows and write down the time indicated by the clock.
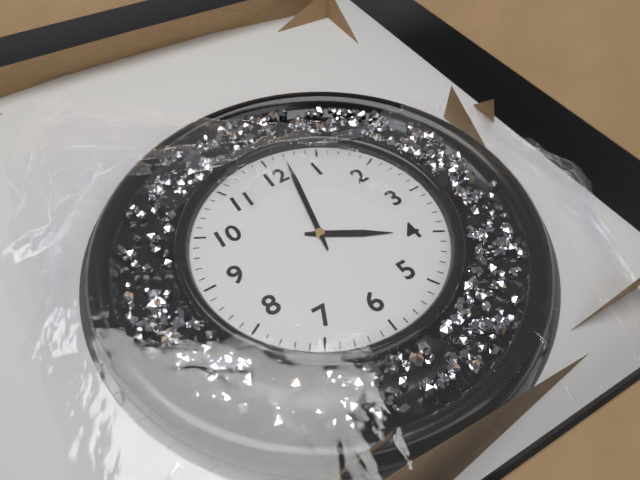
4:02
